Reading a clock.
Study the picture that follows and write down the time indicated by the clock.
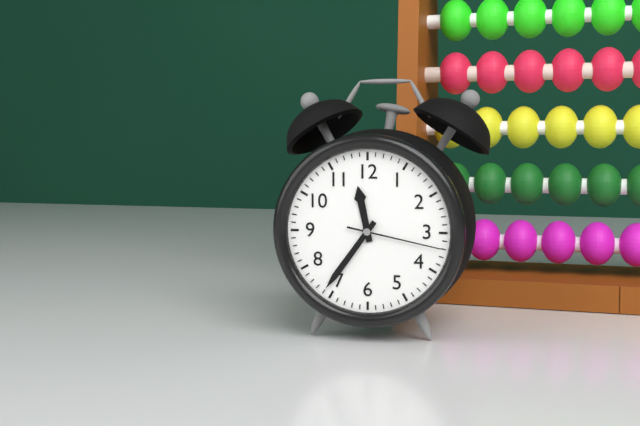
11:36:17
